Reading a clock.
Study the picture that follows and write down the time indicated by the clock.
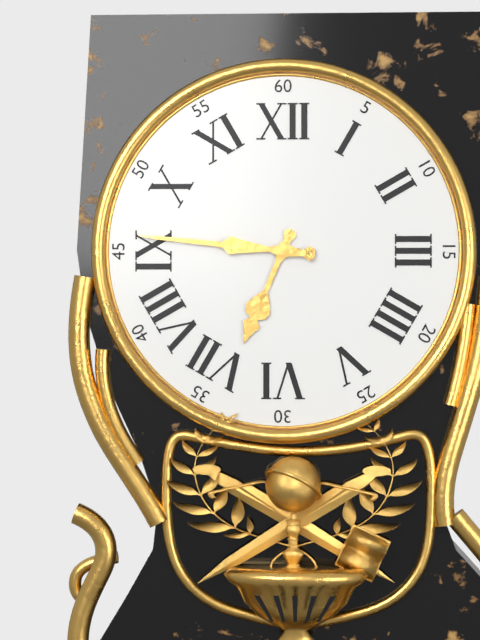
6:46
